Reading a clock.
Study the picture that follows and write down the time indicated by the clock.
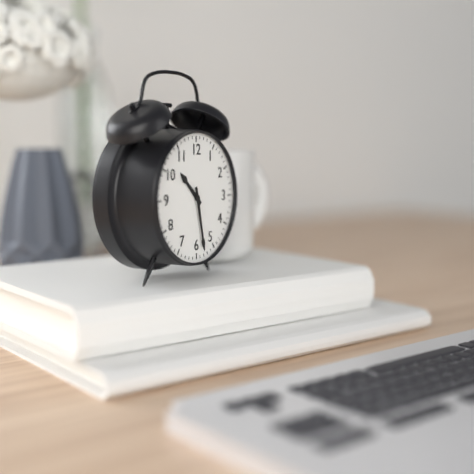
10:28
